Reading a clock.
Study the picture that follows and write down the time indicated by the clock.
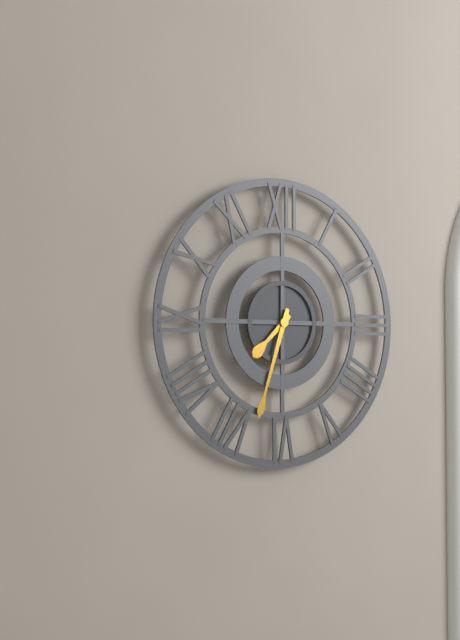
7:33
